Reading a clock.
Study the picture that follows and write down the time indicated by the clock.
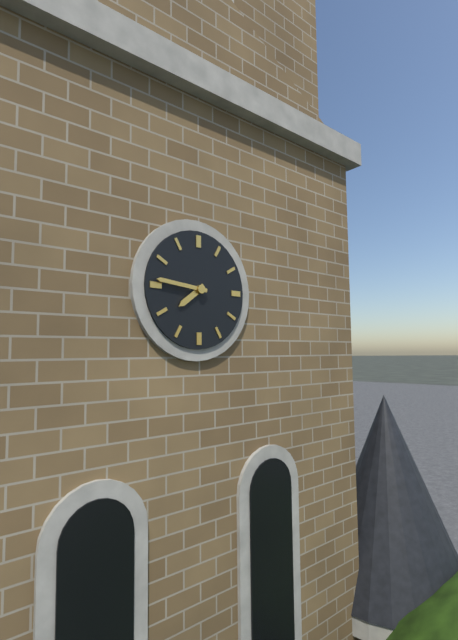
7:46
